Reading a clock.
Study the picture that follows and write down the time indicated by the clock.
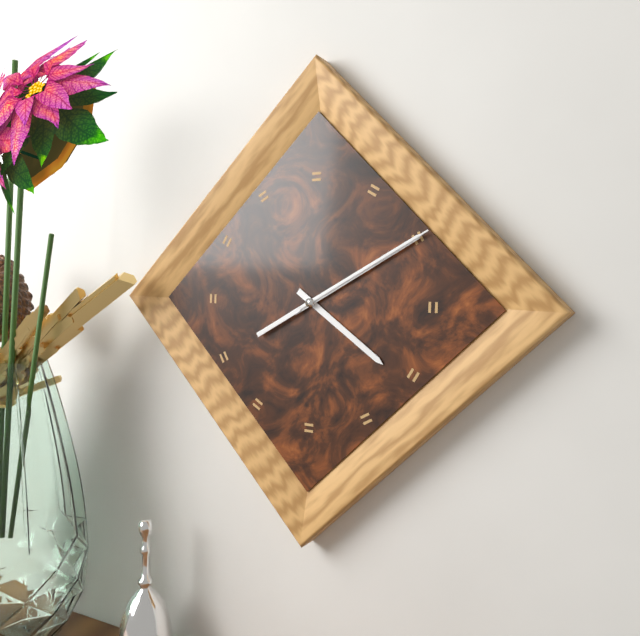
4:10:10
